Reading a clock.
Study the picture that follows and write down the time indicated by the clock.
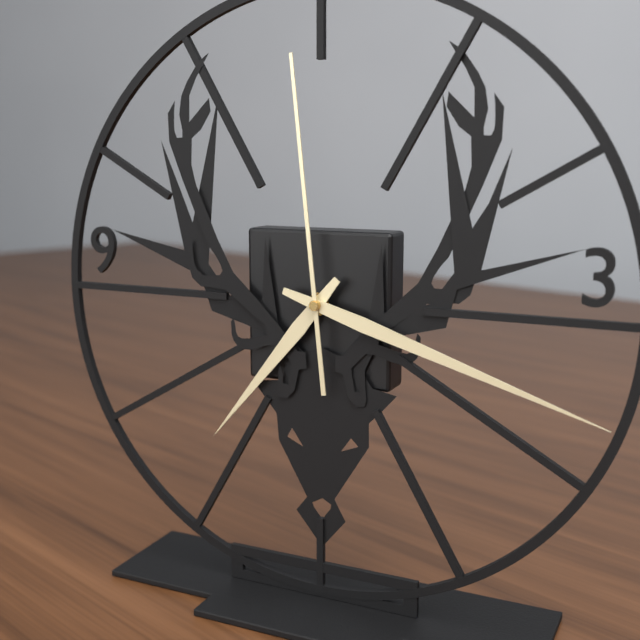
7:18:59
